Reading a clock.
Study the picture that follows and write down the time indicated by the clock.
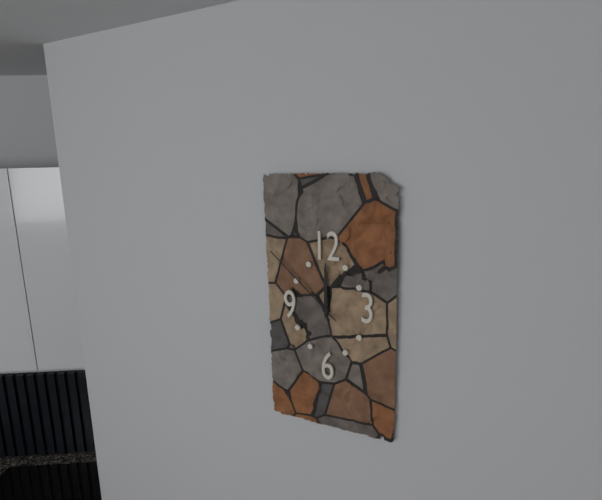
12:00:52
